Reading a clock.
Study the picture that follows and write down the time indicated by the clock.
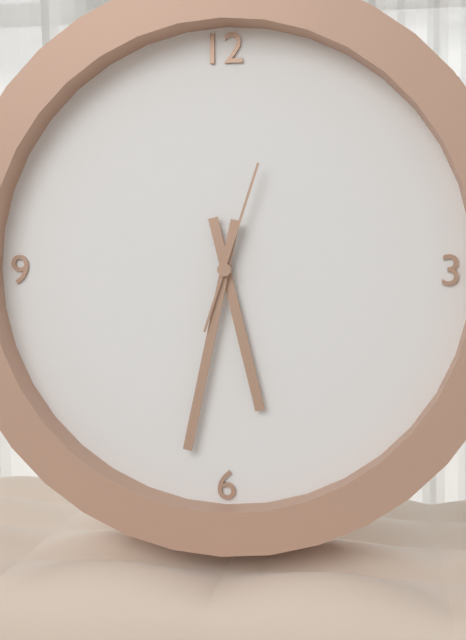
5:32:03
